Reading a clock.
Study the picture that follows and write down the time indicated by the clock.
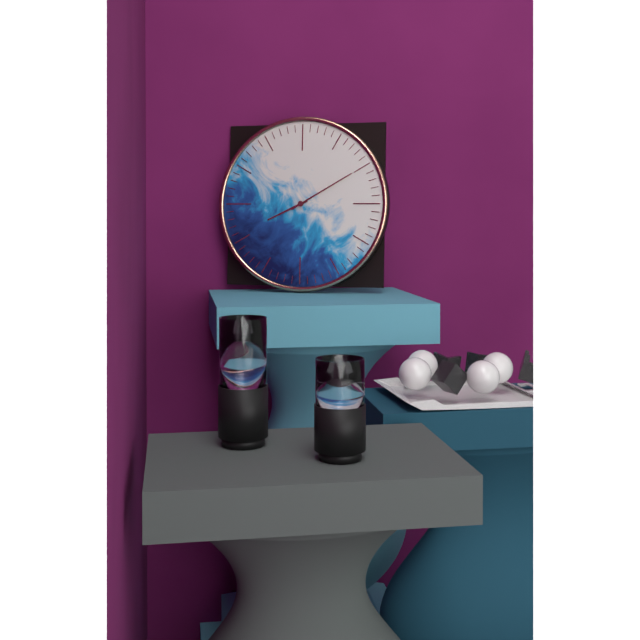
8:10
